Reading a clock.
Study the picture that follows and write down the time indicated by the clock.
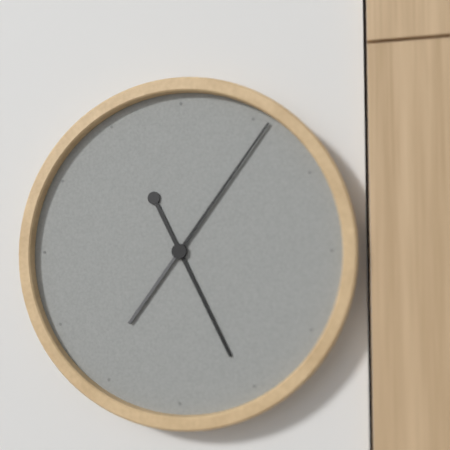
5:06
